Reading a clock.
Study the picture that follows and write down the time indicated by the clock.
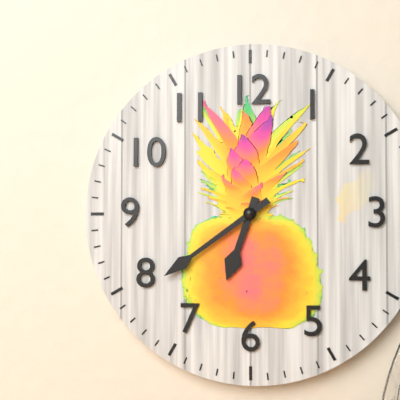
6:39
